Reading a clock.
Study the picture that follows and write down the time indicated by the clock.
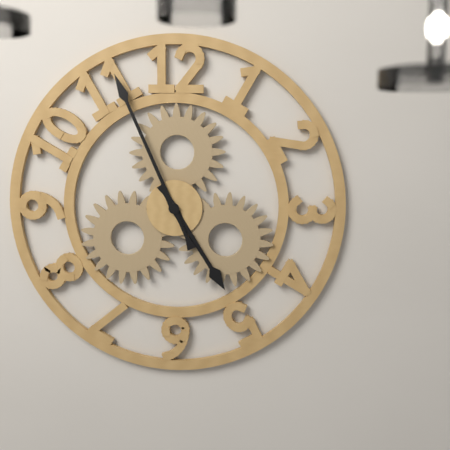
4:56
